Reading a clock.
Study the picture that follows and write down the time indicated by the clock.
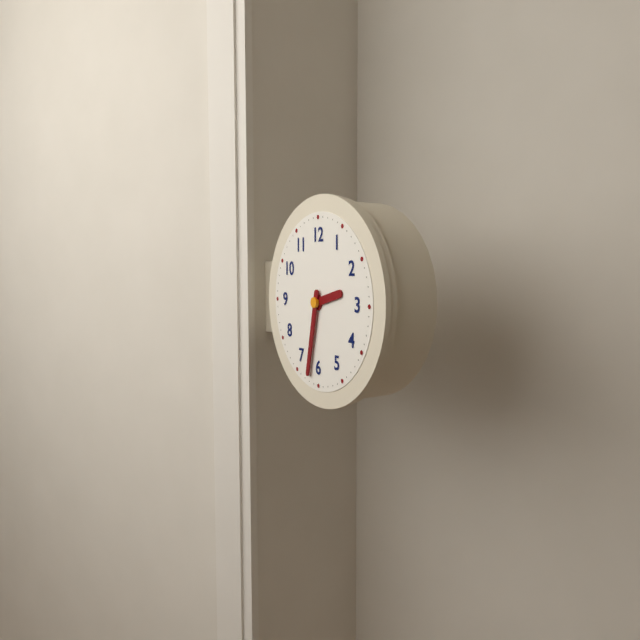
2:32
